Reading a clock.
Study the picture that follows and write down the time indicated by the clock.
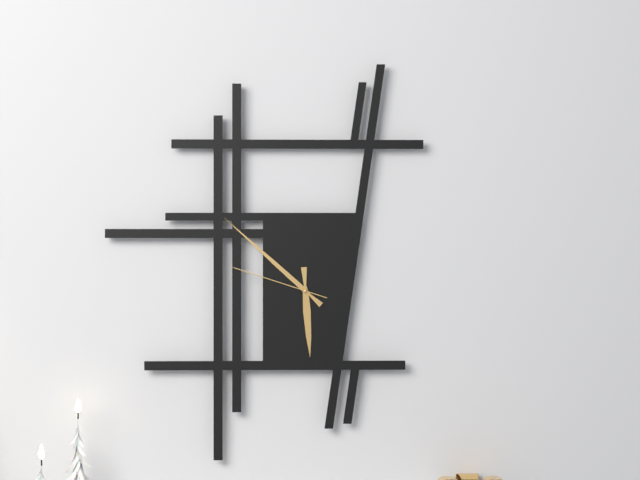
5:52:48
